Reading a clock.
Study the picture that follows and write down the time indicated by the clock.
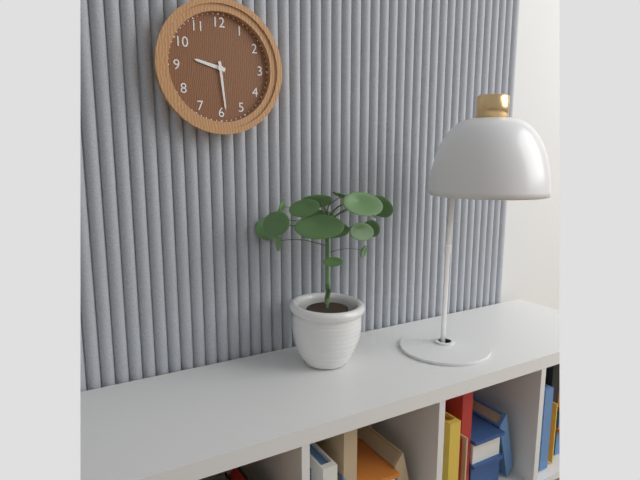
9:29
